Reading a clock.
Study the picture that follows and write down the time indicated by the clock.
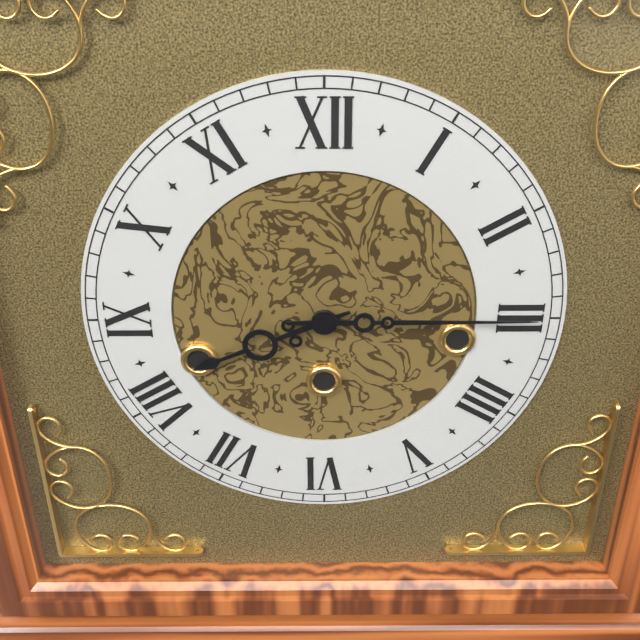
8:15
